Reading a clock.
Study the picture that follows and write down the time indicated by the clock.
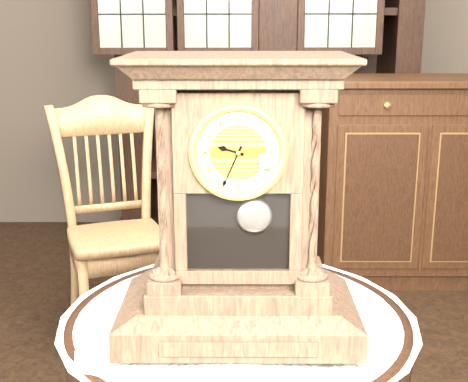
9:34
